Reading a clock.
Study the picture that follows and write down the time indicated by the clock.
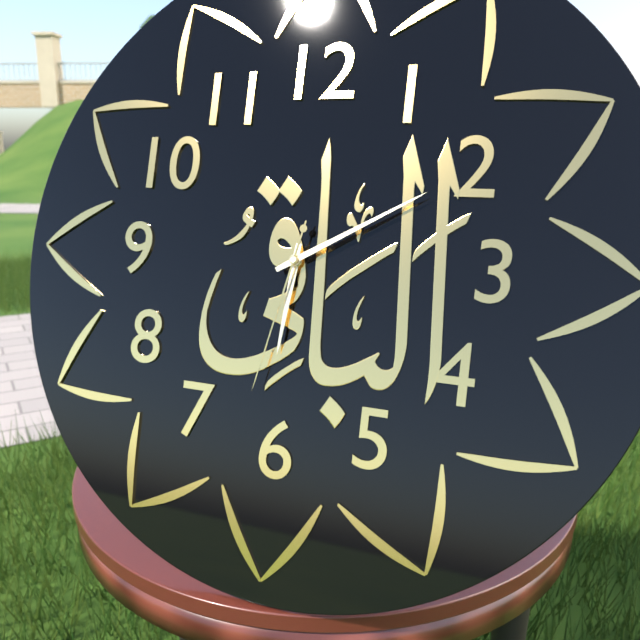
6:10:32
